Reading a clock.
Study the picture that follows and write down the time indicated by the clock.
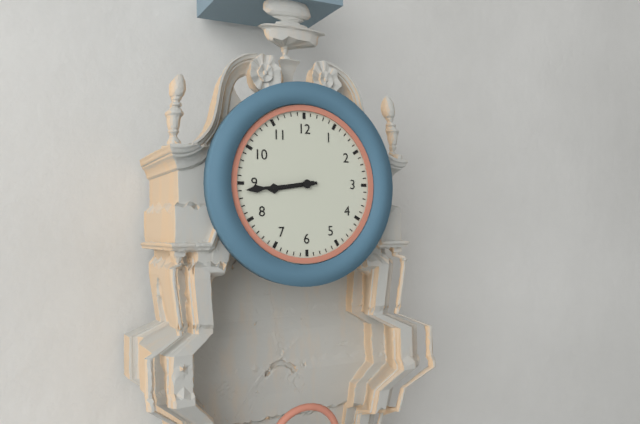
8:44
